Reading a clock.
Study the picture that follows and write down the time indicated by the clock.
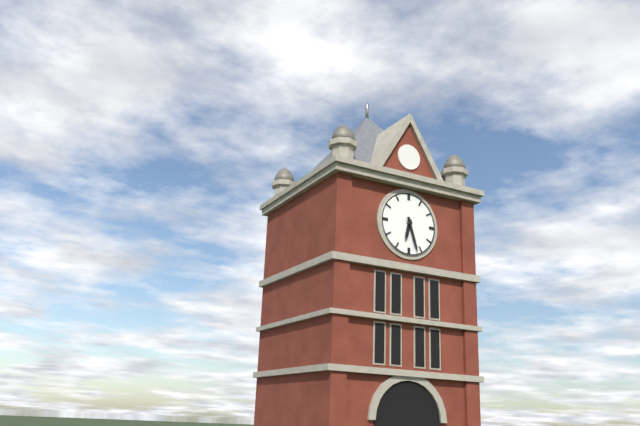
6:27
